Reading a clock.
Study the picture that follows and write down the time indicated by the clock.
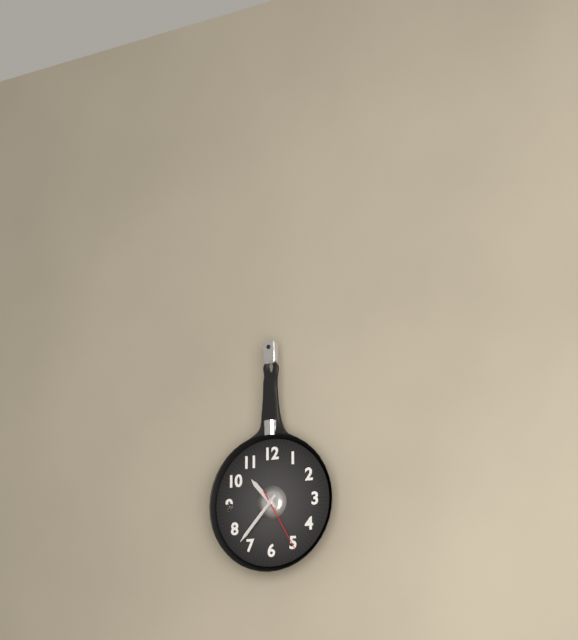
10:37:25
